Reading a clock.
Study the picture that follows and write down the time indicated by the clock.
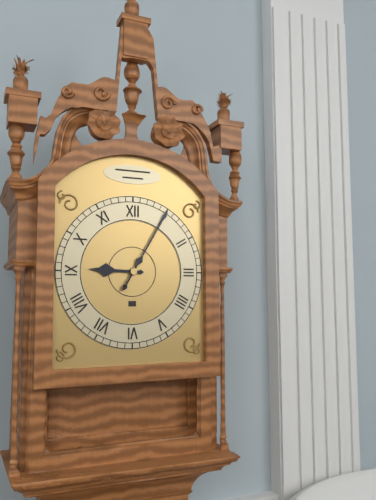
9:05
